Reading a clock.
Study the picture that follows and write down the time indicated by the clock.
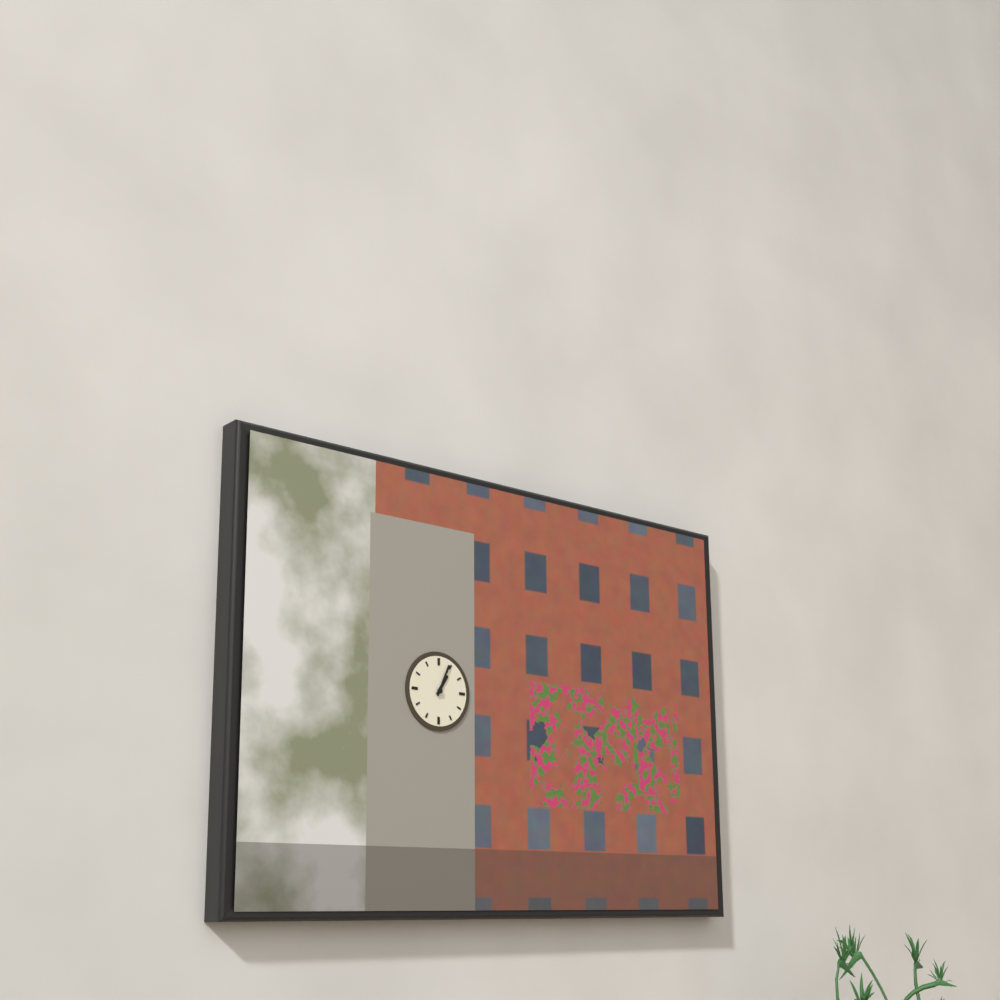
1:04
